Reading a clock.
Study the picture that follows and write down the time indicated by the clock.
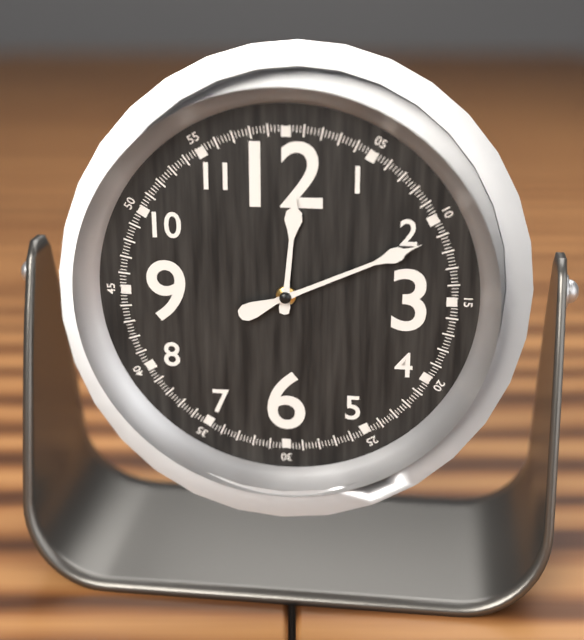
12:11
